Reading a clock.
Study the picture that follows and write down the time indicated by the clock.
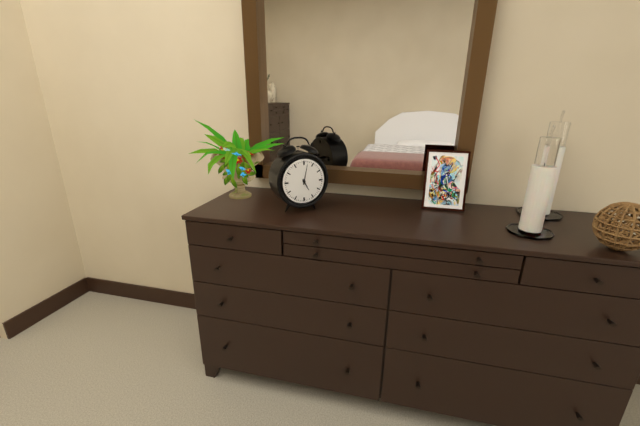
5:02
